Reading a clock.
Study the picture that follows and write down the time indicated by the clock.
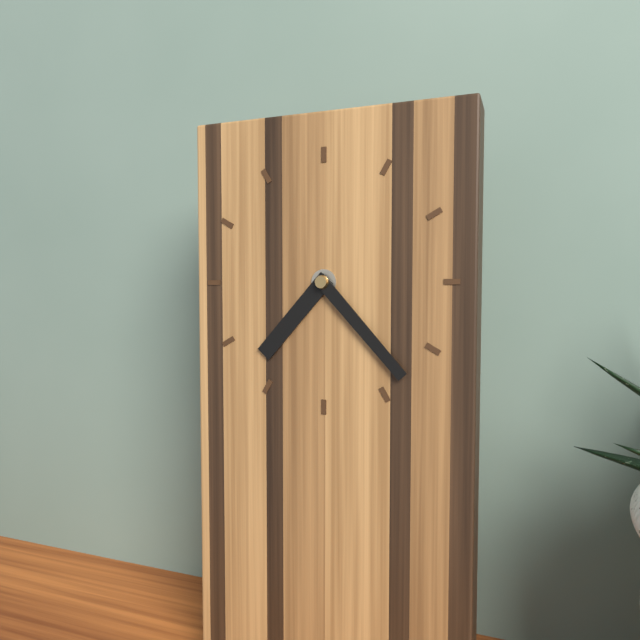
7:23
